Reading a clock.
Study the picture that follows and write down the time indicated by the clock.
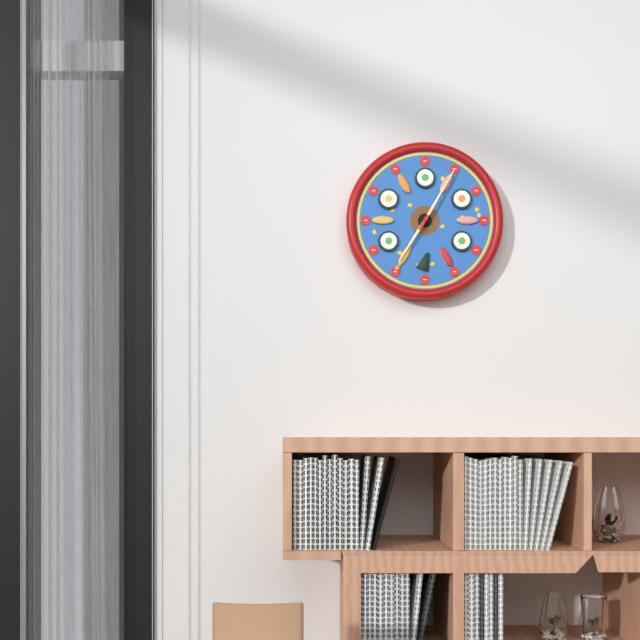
7:05
